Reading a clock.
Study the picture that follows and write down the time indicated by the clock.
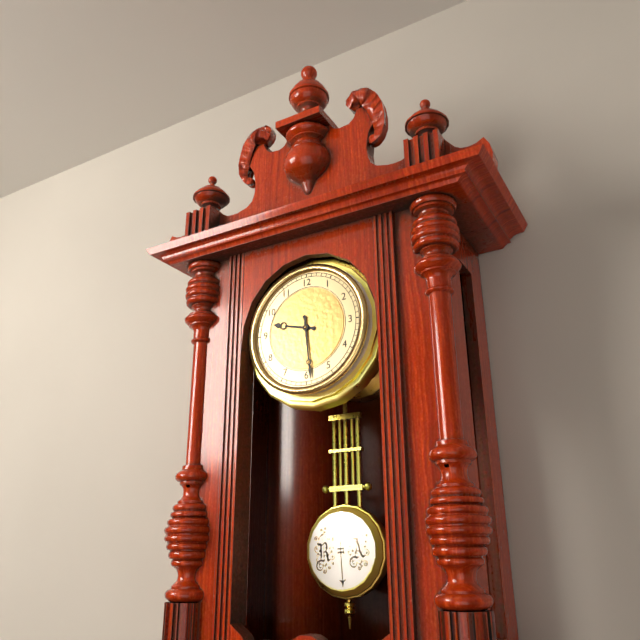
9:29
